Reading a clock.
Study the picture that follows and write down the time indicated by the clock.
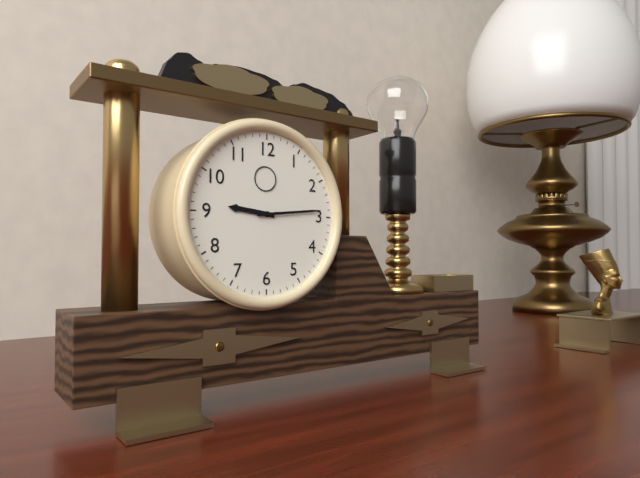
9:14
